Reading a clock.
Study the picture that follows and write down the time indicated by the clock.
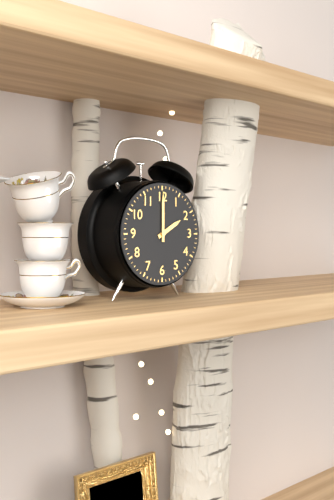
2:00
